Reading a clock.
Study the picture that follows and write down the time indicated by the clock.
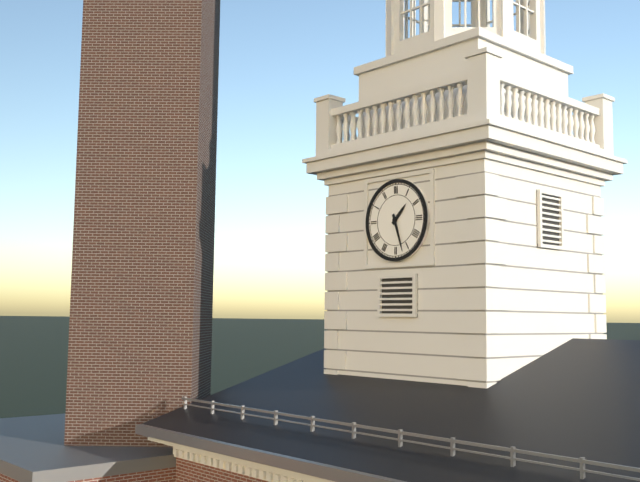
1:27
